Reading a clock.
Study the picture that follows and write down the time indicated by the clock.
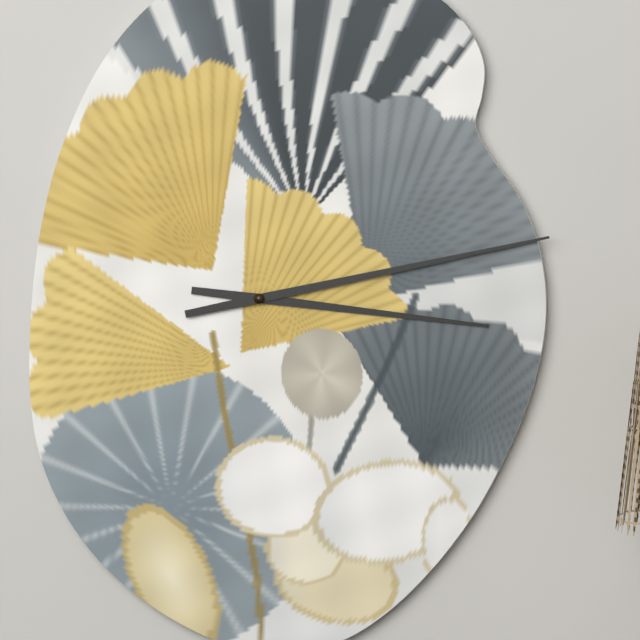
3:13
